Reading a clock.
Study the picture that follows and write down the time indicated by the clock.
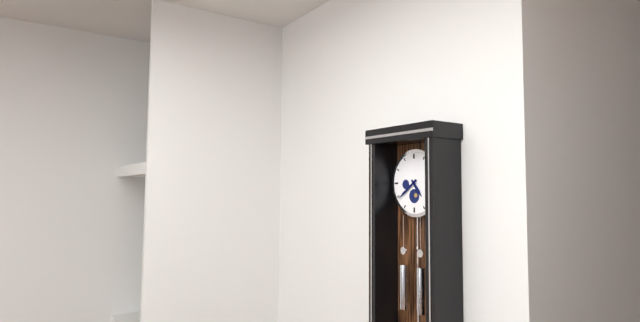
4:39
